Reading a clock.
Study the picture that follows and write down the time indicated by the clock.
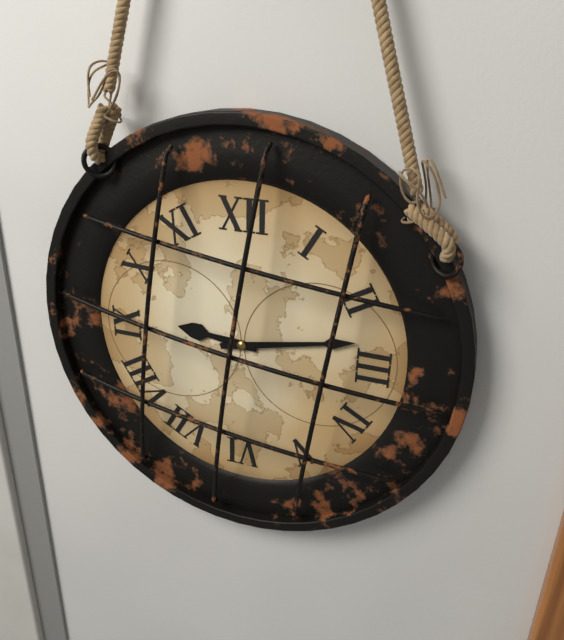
9:13
